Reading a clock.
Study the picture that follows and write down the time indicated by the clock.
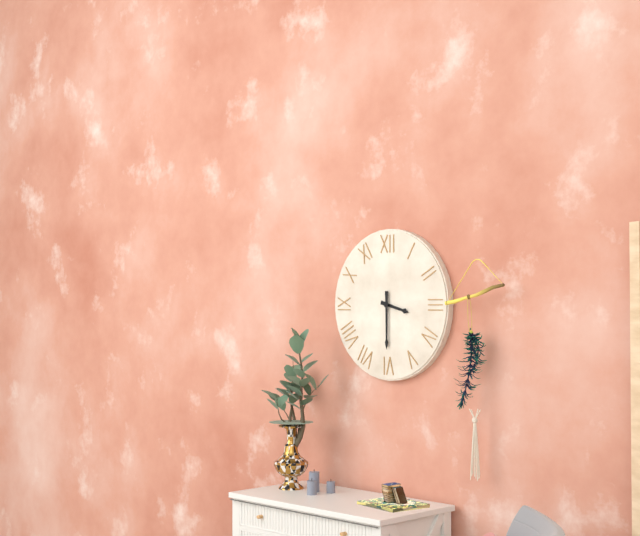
3:30
